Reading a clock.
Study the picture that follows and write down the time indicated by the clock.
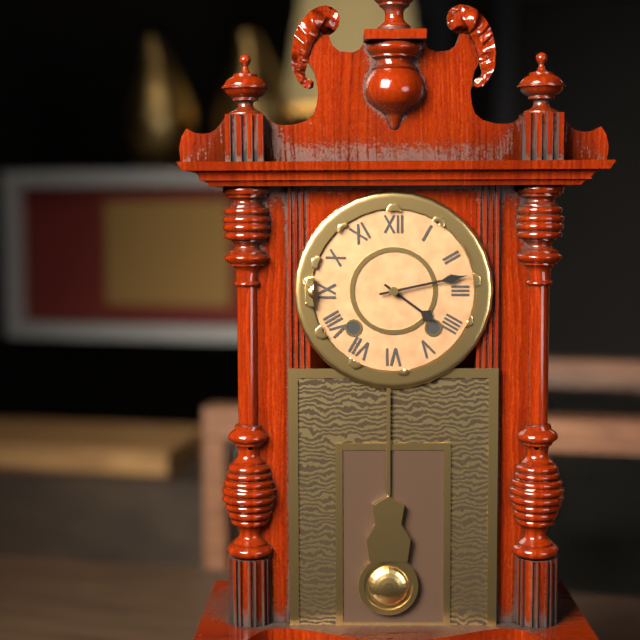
4:13
